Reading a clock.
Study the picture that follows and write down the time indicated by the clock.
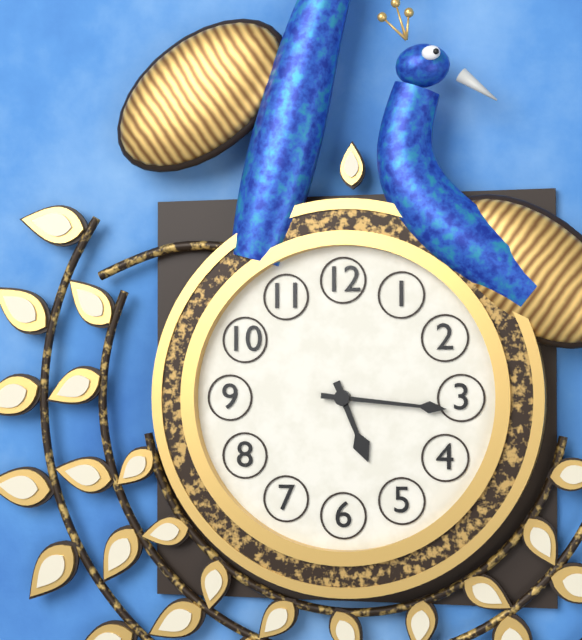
5:16
